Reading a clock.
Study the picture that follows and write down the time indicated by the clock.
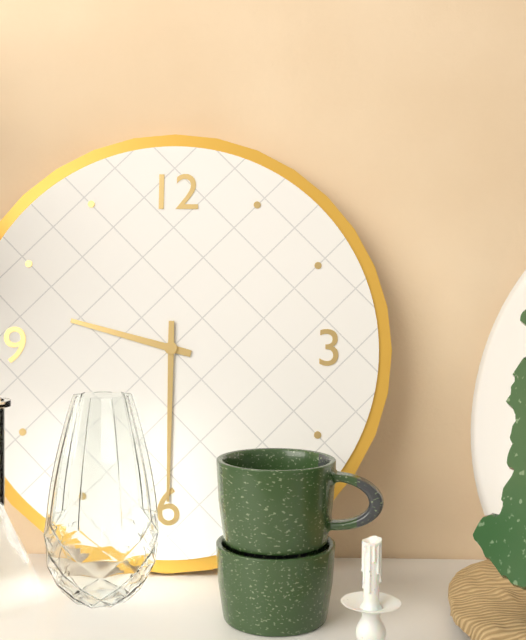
9:30
